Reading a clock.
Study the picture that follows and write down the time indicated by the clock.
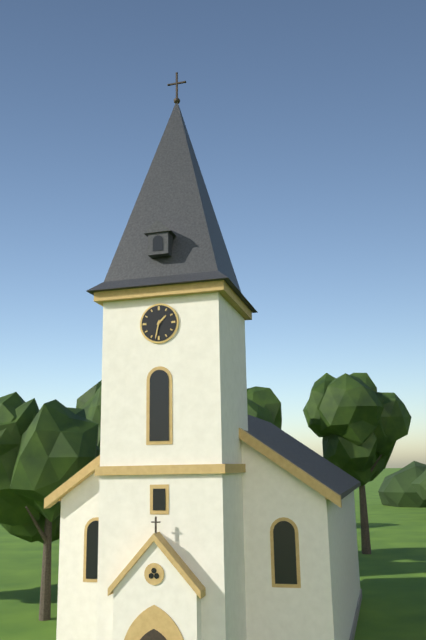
1:32
